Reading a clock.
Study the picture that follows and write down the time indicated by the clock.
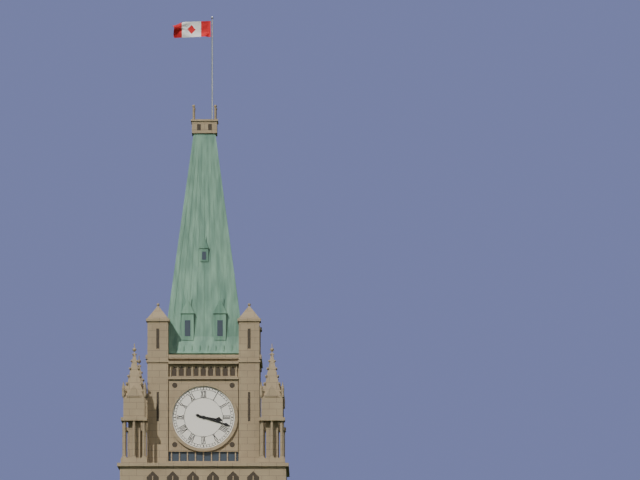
3:18
